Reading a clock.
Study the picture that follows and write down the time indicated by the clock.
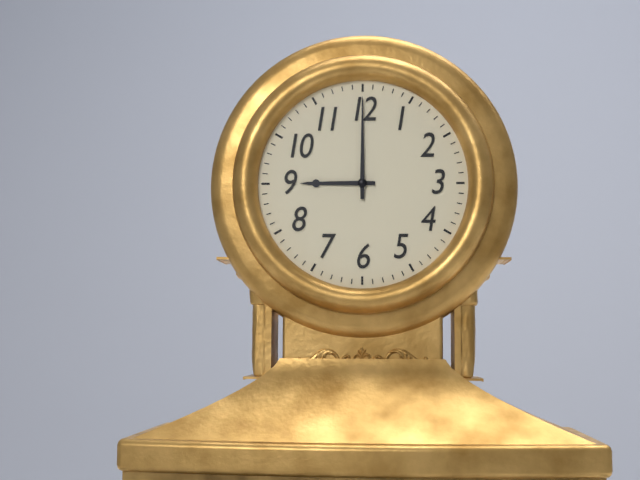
9:00
